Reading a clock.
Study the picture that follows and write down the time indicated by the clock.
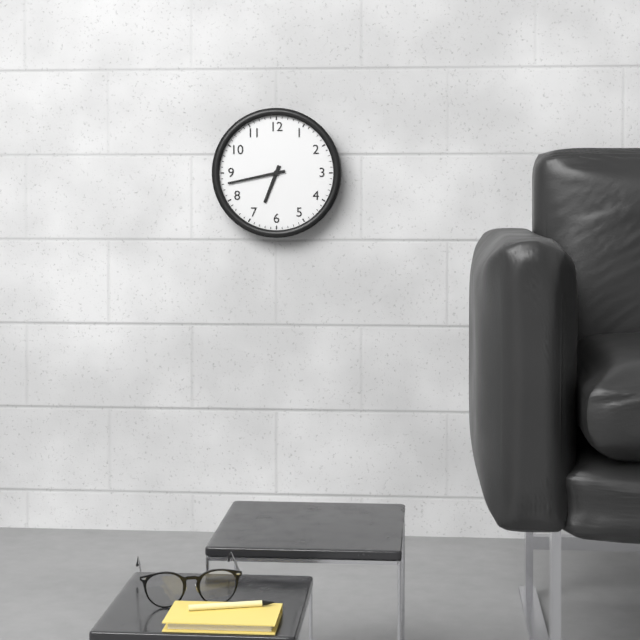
6:43
